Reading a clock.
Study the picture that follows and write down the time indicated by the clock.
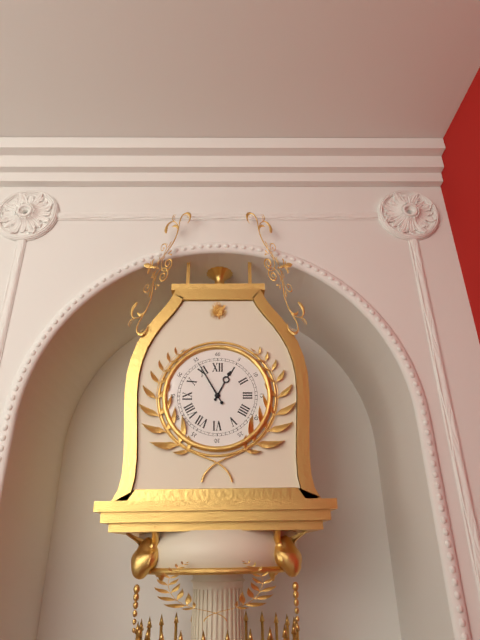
12:55
